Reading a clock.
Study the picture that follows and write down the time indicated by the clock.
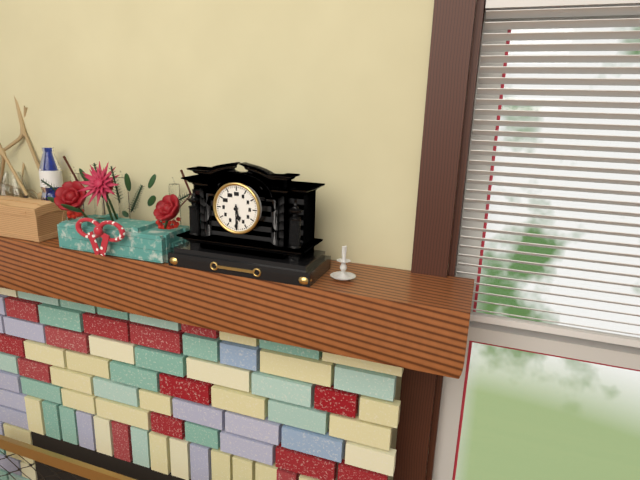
5:30
